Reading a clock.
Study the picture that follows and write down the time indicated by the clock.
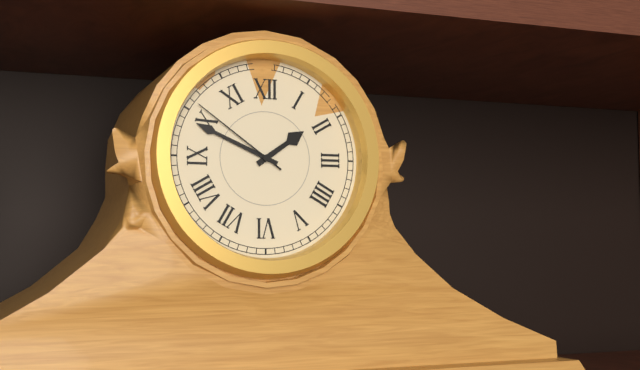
1:49:51
